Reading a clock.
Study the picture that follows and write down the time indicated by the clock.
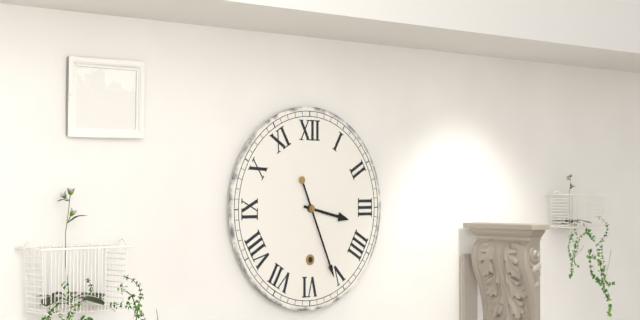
3:26
